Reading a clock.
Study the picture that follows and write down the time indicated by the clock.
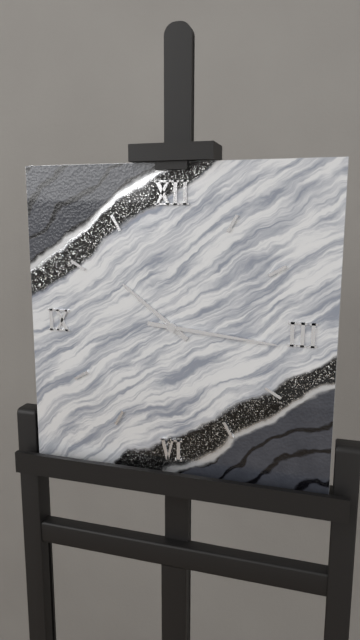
10:16
